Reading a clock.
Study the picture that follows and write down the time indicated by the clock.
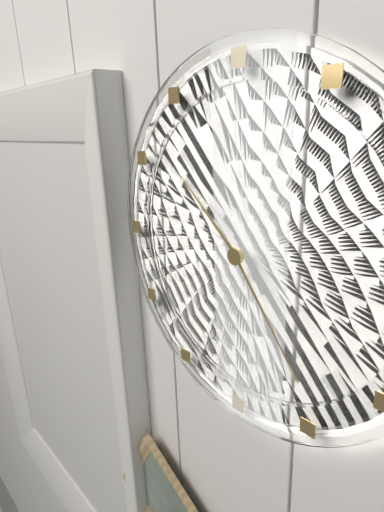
10:24
